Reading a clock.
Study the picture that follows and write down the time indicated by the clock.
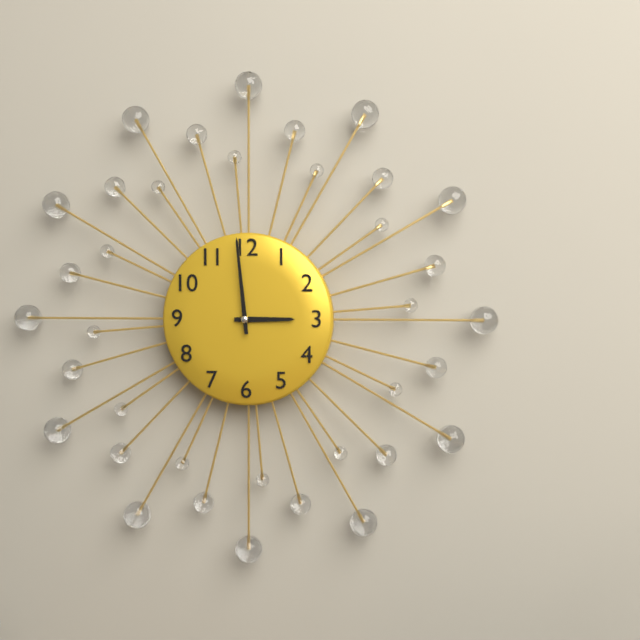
2:59
